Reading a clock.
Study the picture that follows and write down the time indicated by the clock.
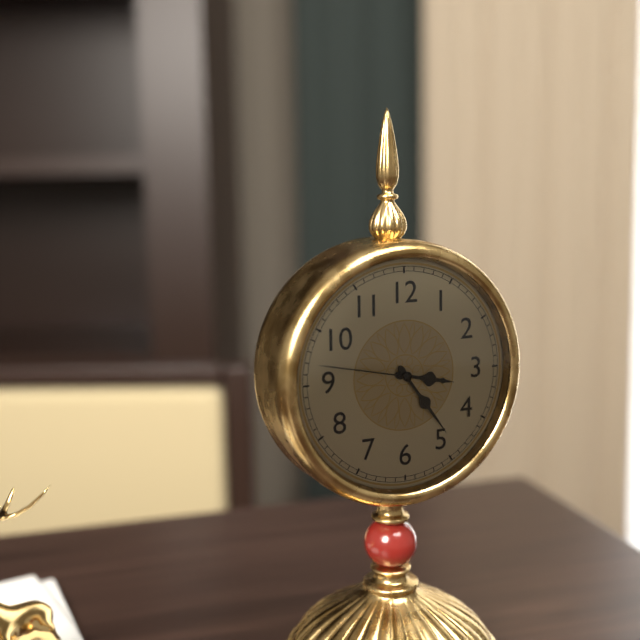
3:24:47
